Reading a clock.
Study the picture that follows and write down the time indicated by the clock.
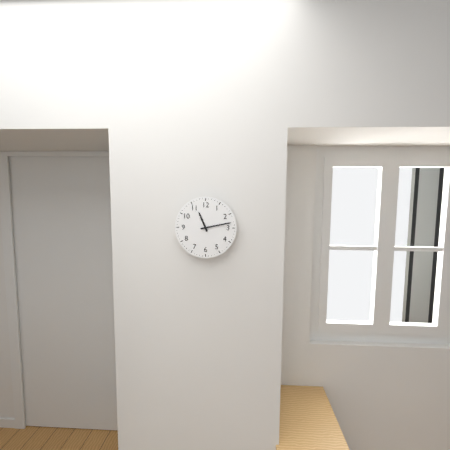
11:13
